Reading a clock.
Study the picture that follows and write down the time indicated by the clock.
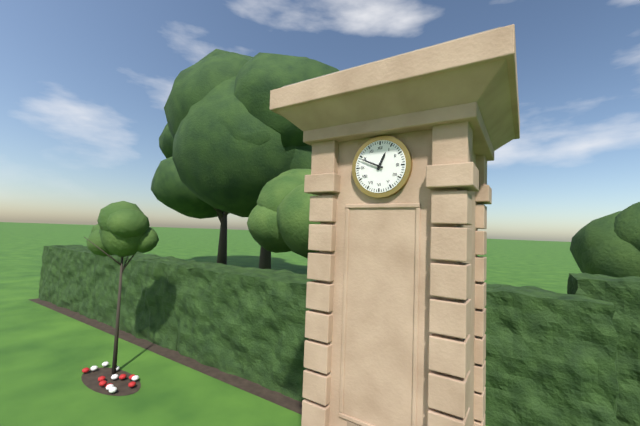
12:49
